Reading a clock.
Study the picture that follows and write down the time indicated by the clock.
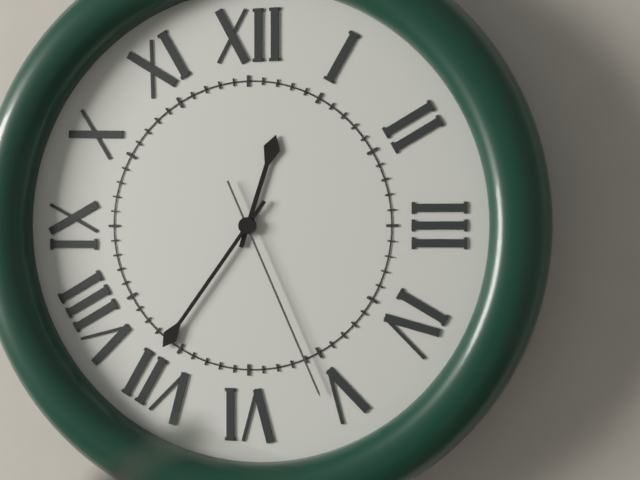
12:36:26
